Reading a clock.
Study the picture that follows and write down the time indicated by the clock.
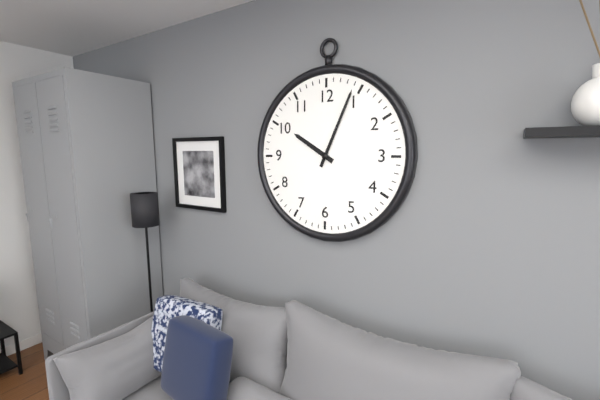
10:04
